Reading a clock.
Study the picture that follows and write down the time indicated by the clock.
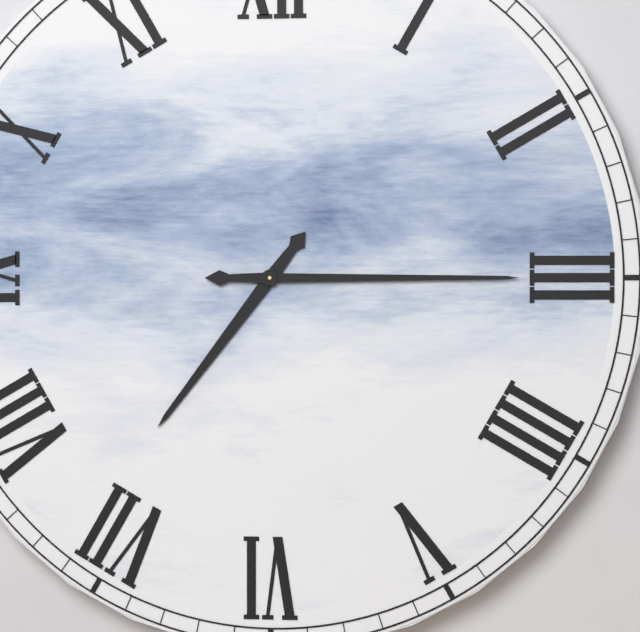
7:15
